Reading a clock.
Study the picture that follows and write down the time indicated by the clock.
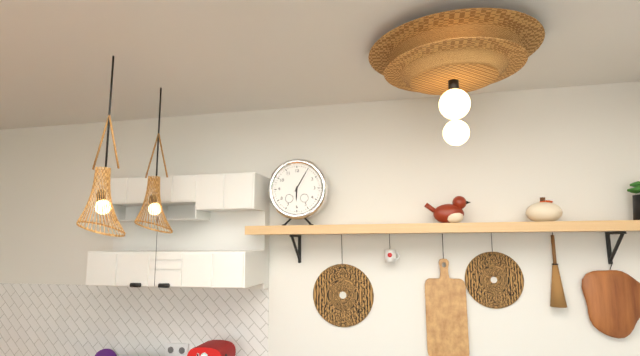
6:05
